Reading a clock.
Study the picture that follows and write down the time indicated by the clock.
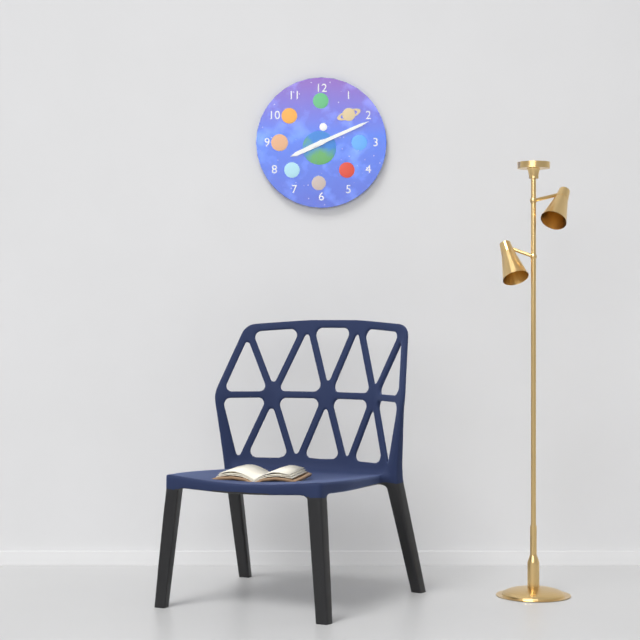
8:11
